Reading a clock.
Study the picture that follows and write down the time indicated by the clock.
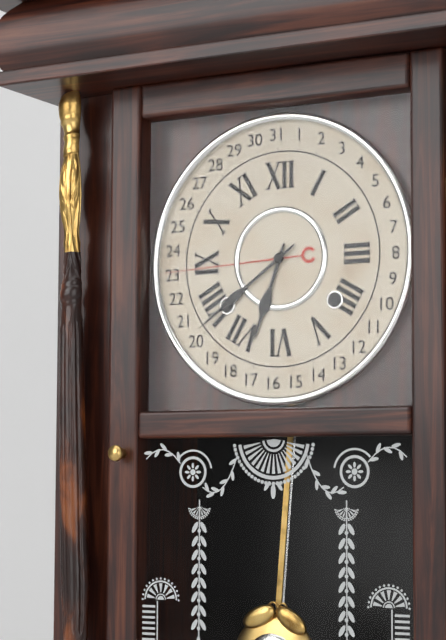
6:39
